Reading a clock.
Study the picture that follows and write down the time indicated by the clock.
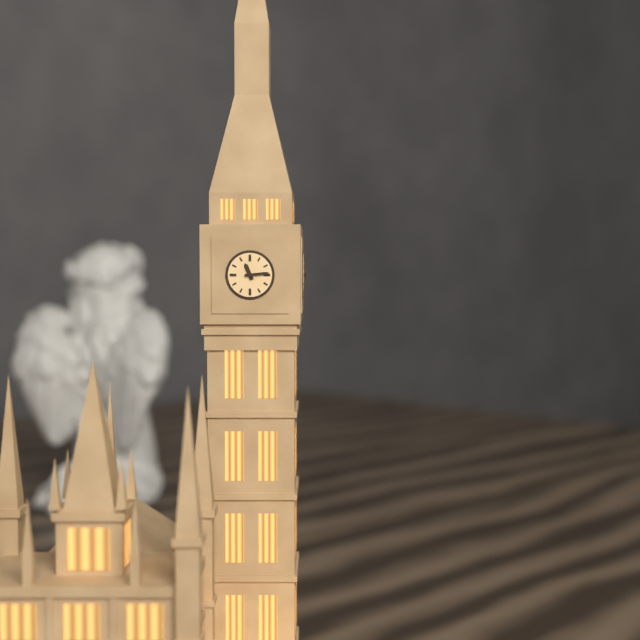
11:14
